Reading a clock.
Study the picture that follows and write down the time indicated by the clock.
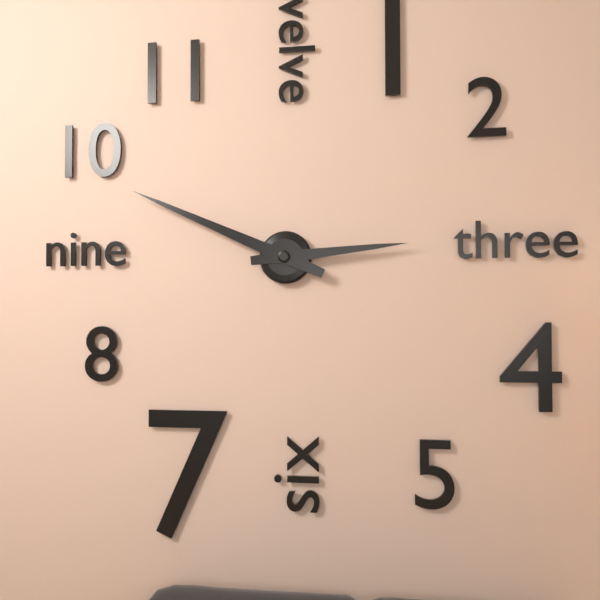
2:49
